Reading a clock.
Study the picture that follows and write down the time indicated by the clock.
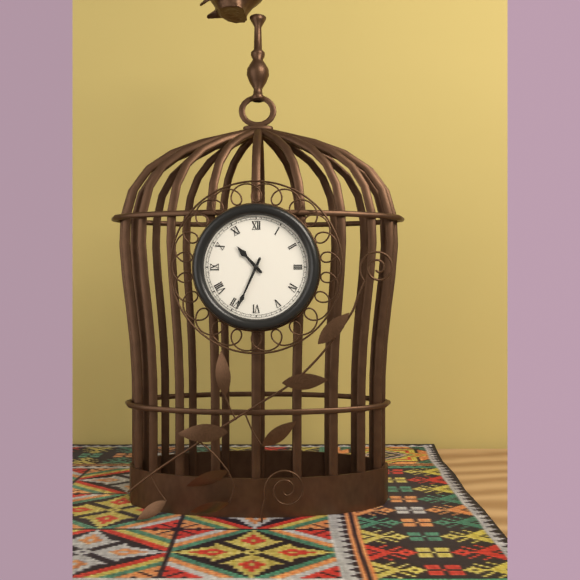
10:34
